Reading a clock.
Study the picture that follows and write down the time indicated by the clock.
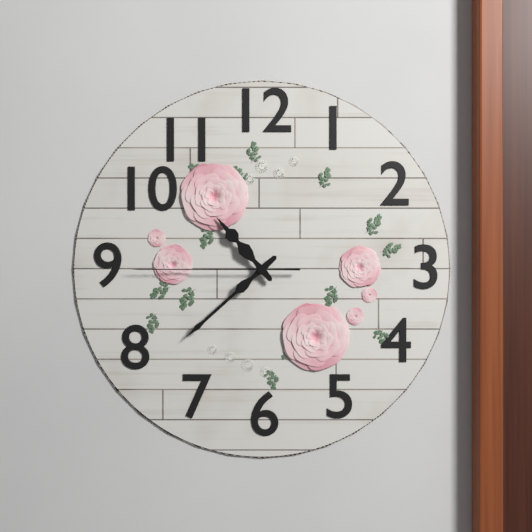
10:38:45
